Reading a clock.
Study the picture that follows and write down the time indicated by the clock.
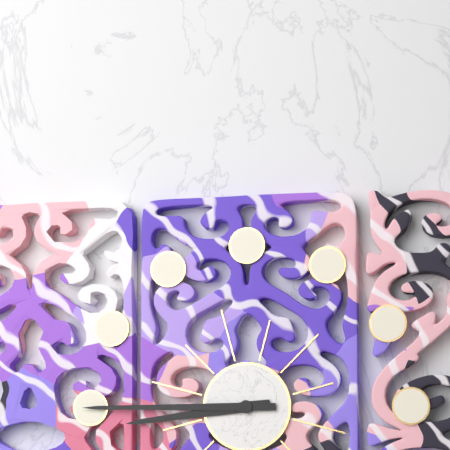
8:45
